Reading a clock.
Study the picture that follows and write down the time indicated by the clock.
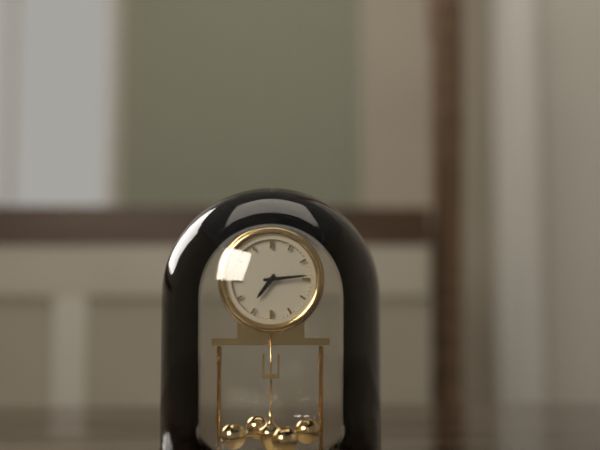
7:14
